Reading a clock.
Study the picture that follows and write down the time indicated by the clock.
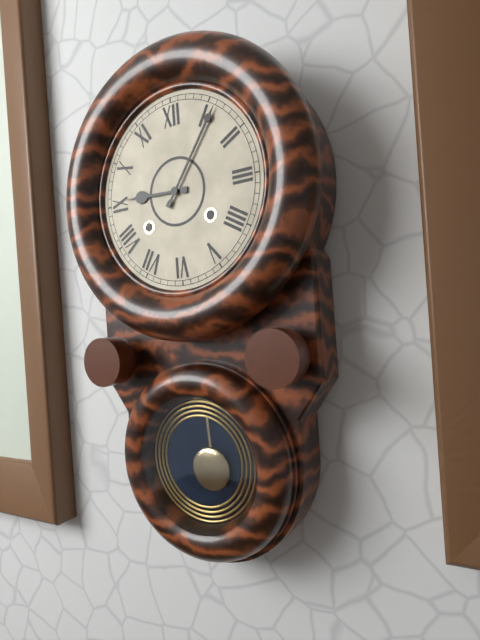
9:06
